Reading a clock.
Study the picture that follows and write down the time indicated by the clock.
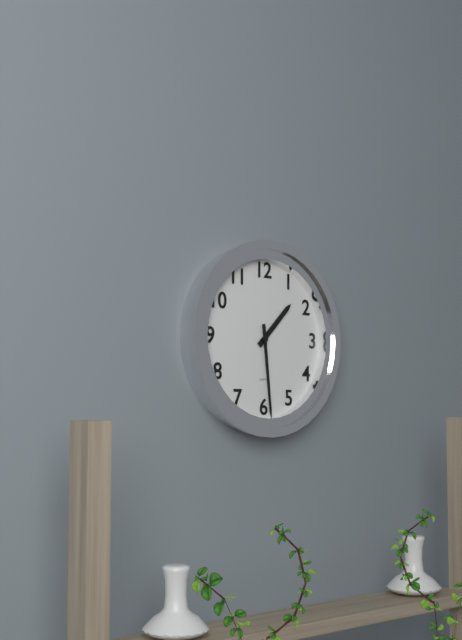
1:29
